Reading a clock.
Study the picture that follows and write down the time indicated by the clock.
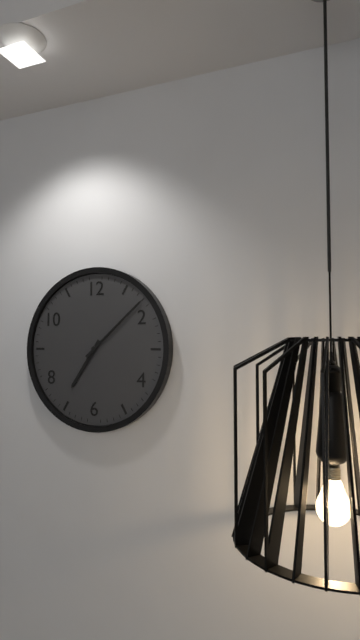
7:08
